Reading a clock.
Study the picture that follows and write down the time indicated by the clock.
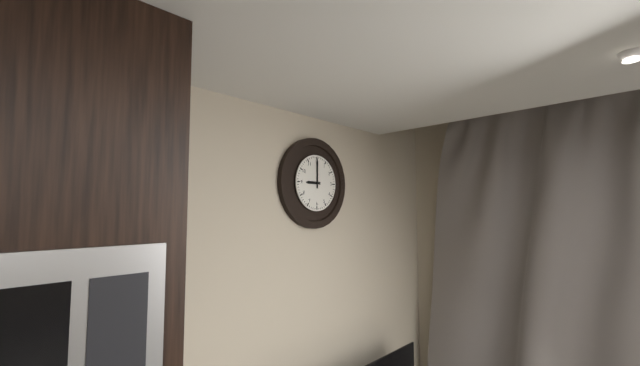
9:00
